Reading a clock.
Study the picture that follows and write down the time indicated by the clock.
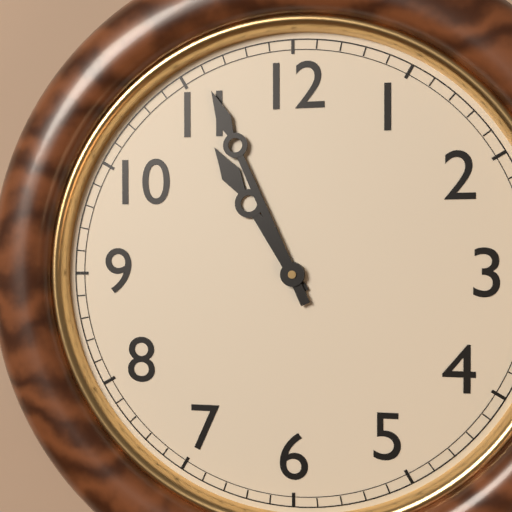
10:56
